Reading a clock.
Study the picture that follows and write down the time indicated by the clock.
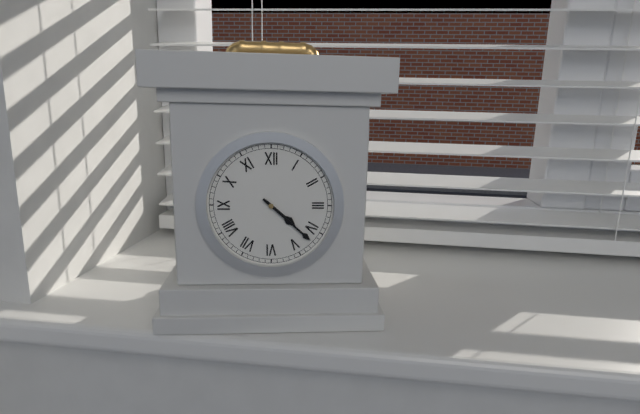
4:22
